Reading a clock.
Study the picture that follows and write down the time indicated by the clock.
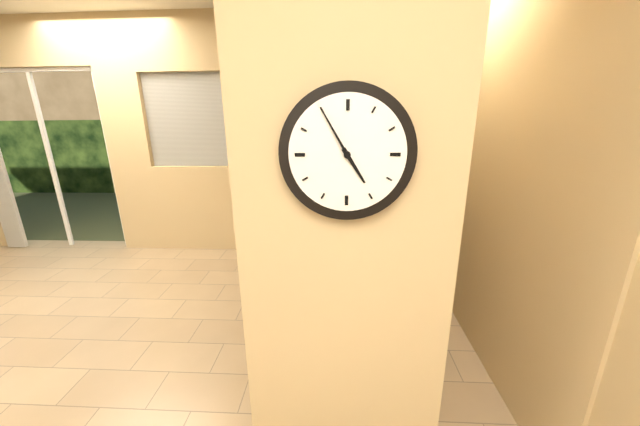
4:55
